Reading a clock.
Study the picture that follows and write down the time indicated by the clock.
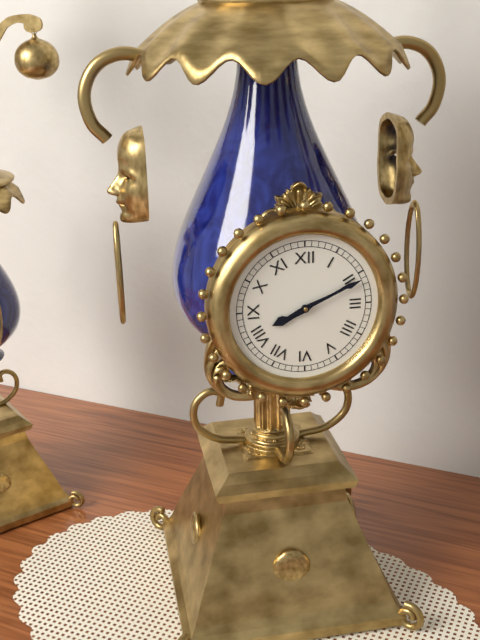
8:11
